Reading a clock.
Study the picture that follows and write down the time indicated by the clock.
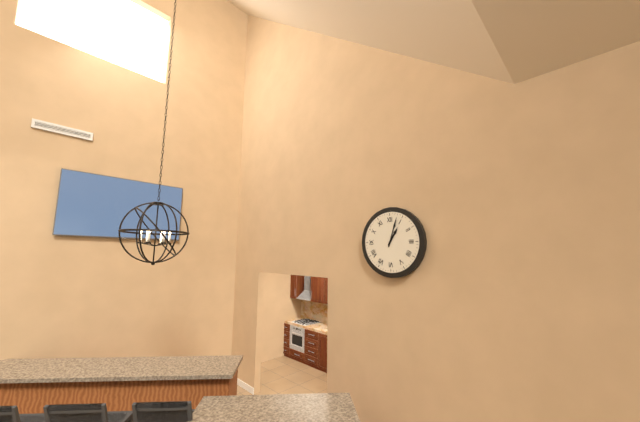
1:03
